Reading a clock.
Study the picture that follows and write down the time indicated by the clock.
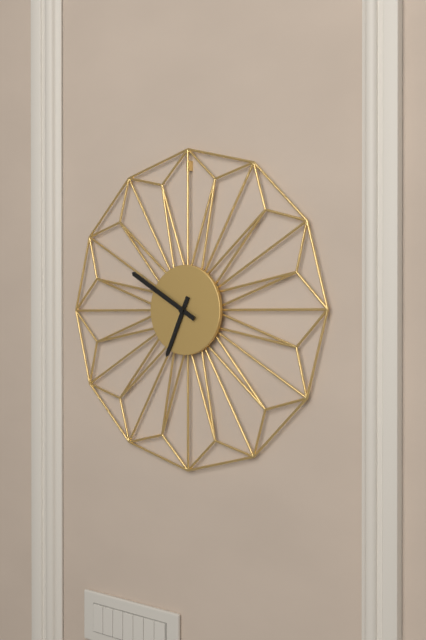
6:50
